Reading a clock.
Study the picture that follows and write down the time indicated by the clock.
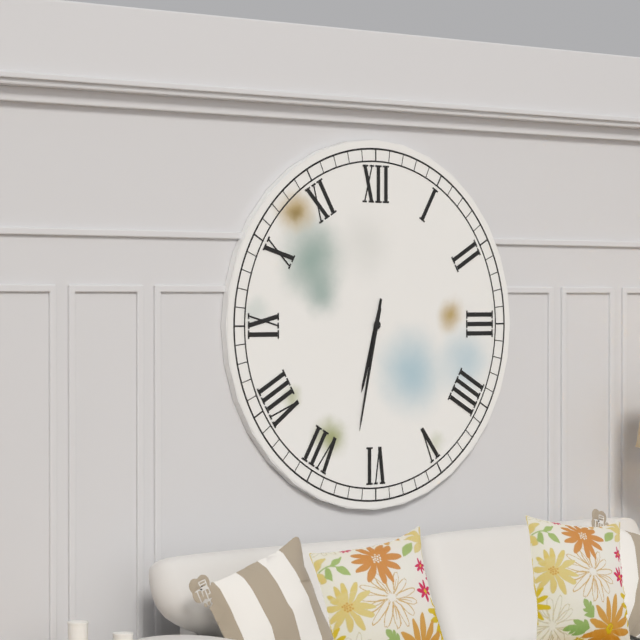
6:32
